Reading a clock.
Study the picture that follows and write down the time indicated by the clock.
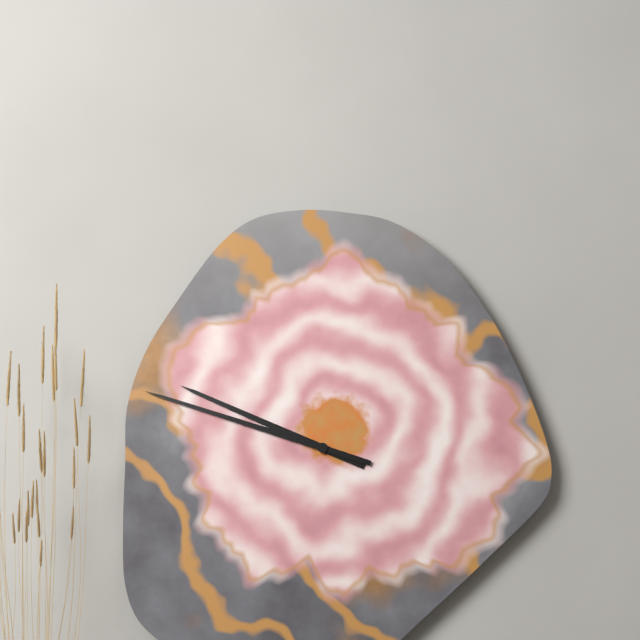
9:48
